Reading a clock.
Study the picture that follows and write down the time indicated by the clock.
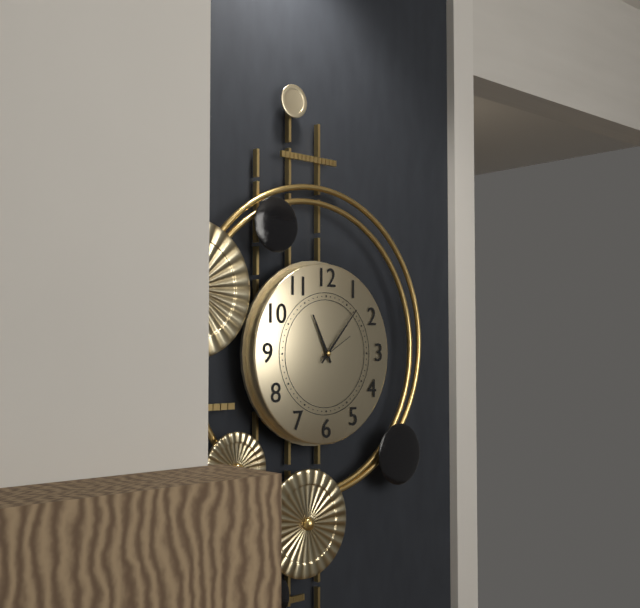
11:07
